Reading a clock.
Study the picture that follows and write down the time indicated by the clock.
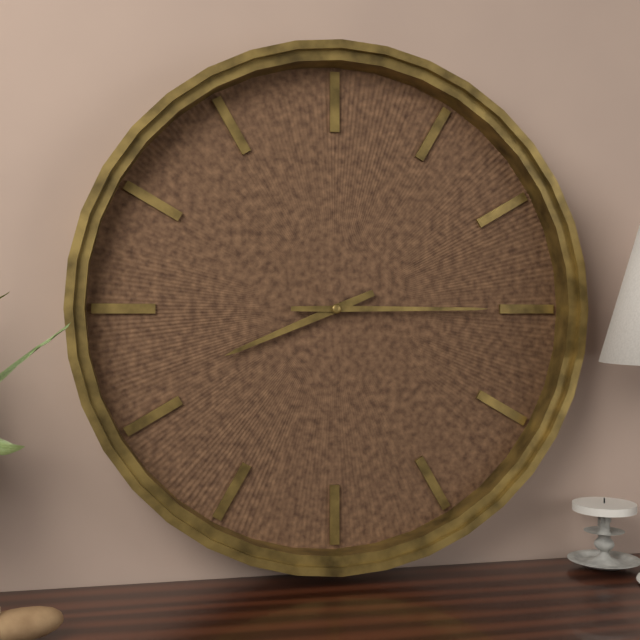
8:15
